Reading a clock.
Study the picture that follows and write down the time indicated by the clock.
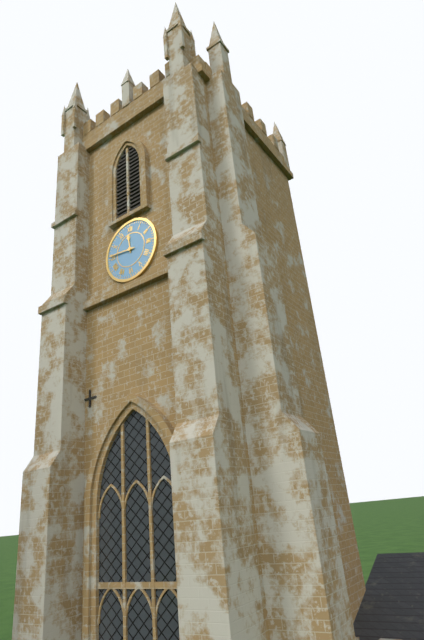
11:46
